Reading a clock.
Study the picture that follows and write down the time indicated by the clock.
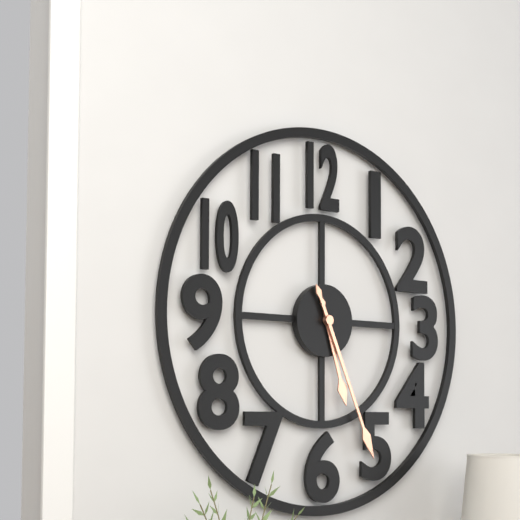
5:26
